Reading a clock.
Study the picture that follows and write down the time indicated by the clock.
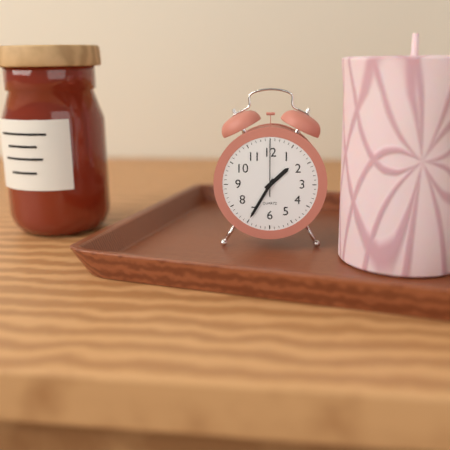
1:35:00
